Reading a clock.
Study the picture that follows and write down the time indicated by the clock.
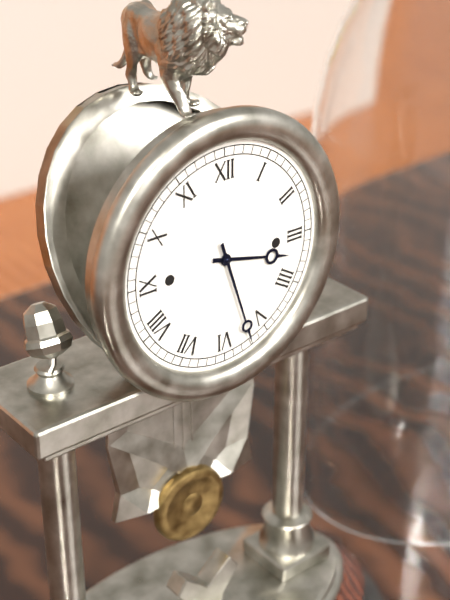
3:27
